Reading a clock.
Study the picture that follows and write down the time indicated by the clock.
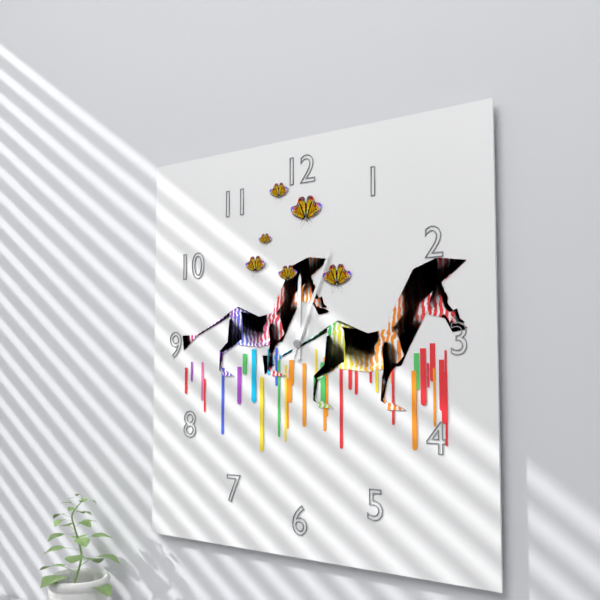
12:04
